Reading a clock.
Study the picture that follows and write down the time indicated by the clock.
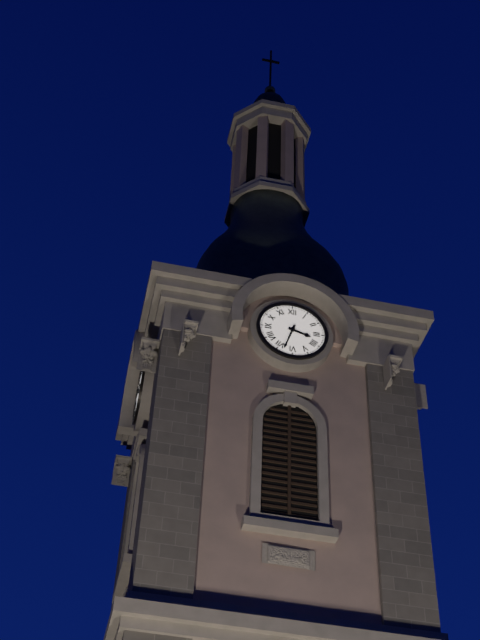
3:33
